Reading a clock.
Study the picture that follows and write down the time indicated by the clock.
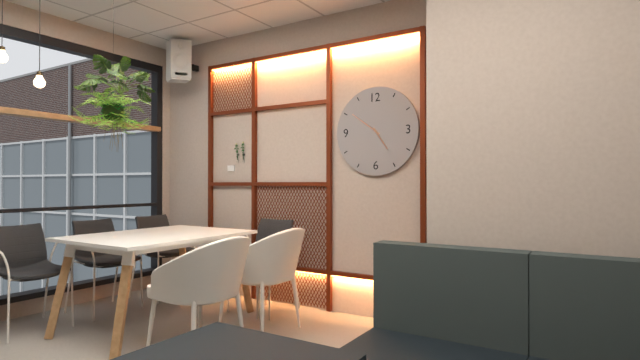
4:51
